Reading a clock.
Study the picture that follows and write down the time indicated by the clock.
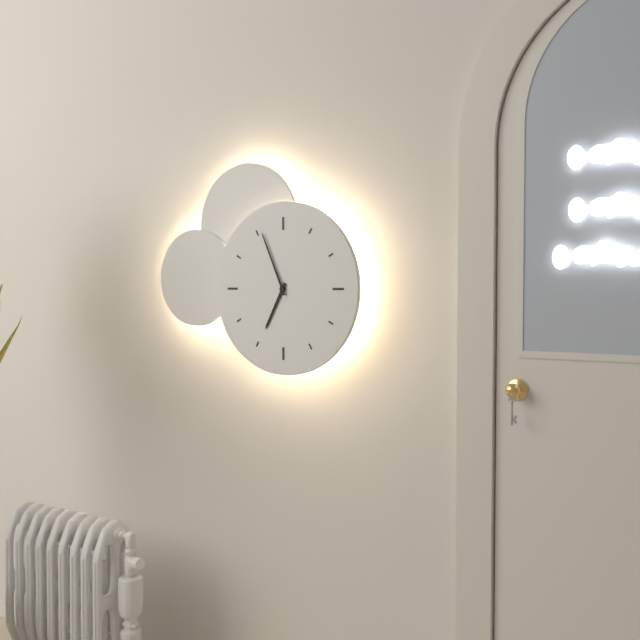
6:56
